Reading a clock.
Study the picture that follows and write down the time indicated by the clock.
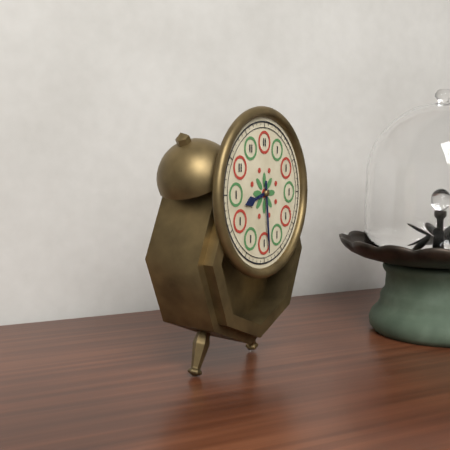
8:29
